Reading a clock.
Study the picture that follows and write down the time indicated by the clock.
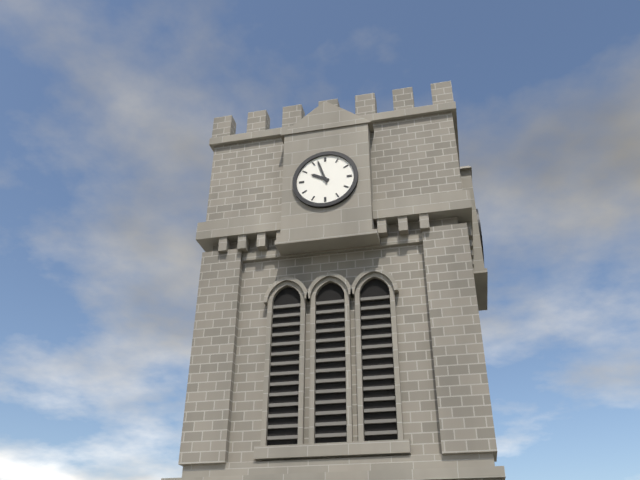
9:57
